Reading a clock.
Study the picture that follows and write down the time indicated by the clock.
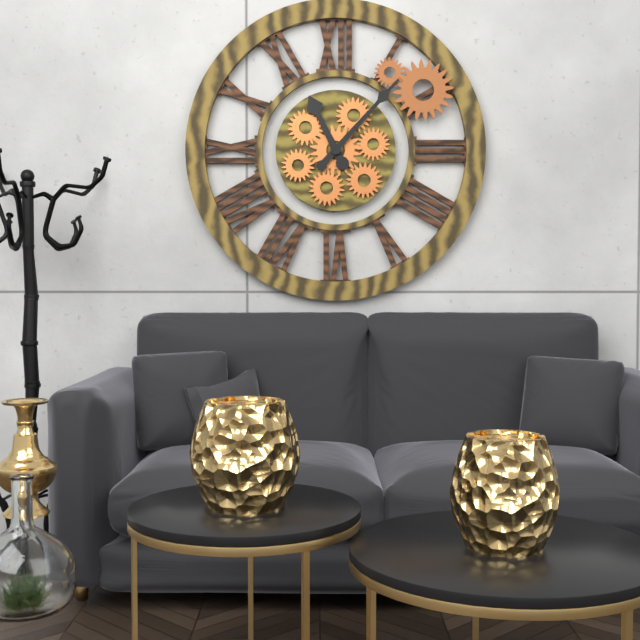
11:07
